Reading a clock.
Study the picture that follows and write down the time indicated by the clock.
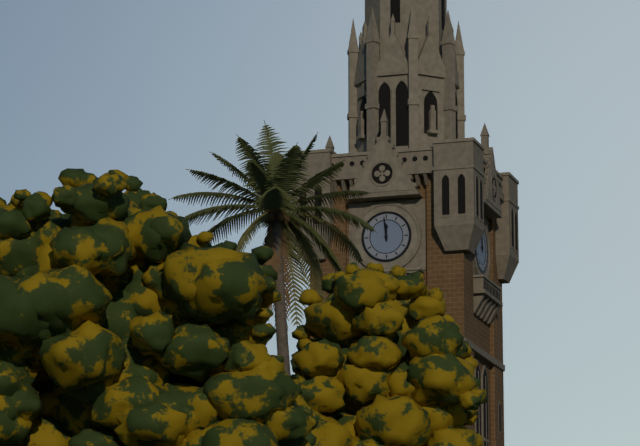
11:59
